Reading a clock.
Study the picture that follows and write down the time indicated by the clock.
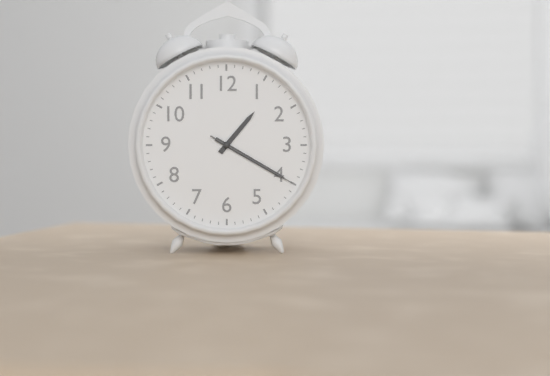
1:20:20
